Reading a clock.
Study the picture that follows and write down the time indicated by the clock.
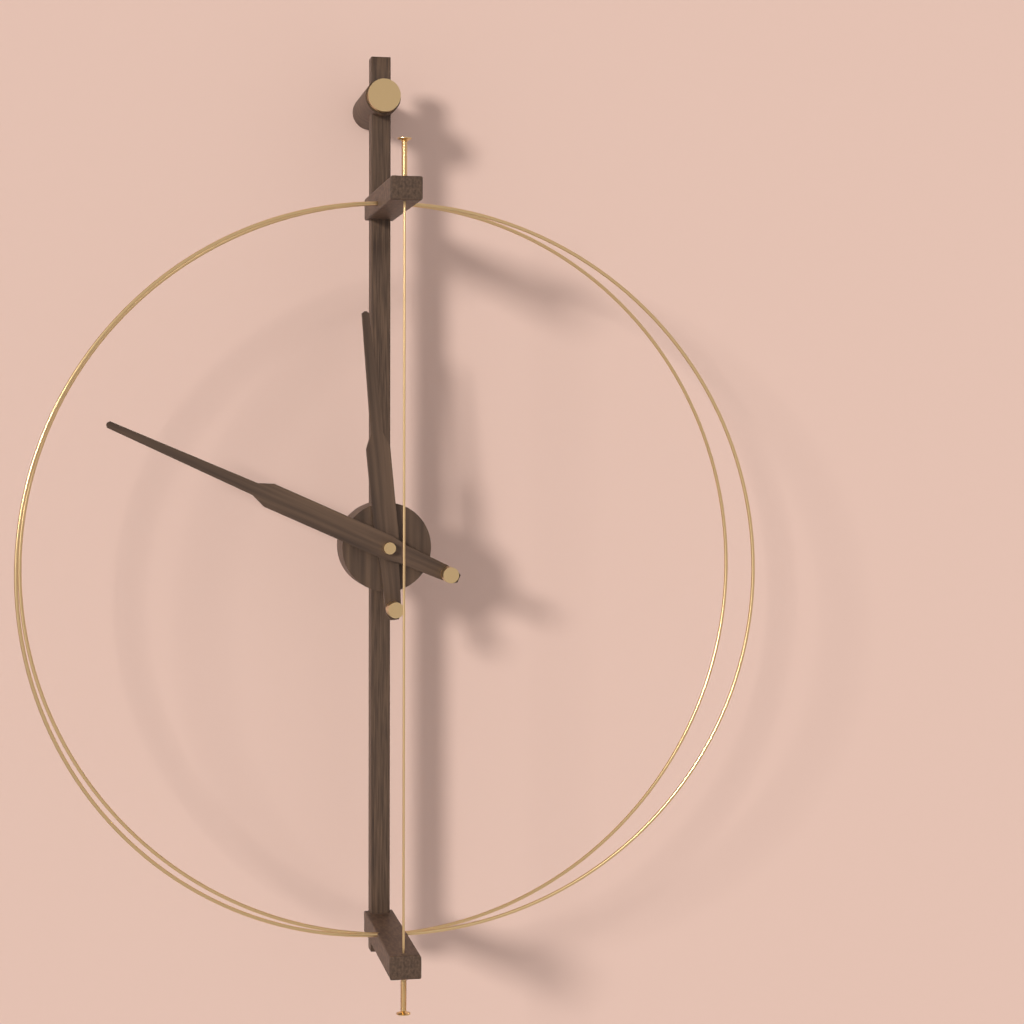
11:49
